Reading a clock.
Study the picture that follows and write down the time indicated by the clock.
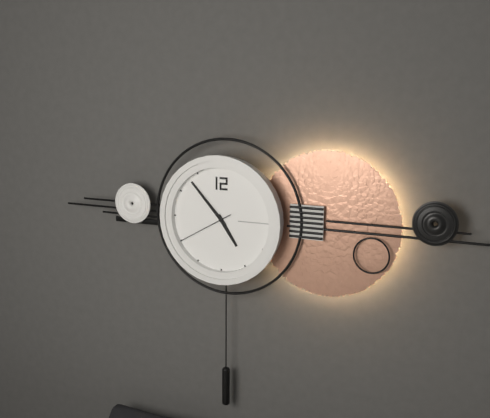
4:53:40
